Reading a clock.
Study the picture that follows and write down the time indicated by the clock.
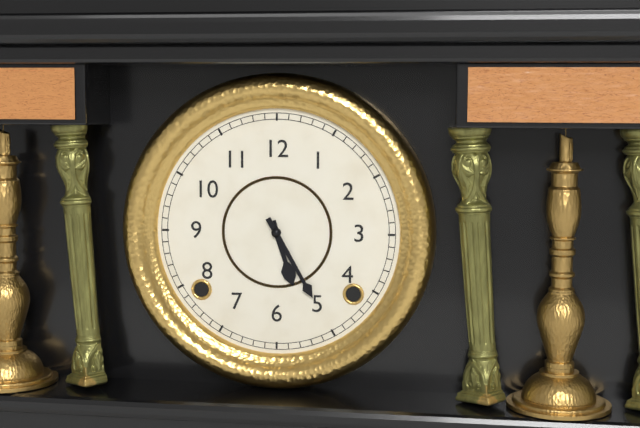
5:25
